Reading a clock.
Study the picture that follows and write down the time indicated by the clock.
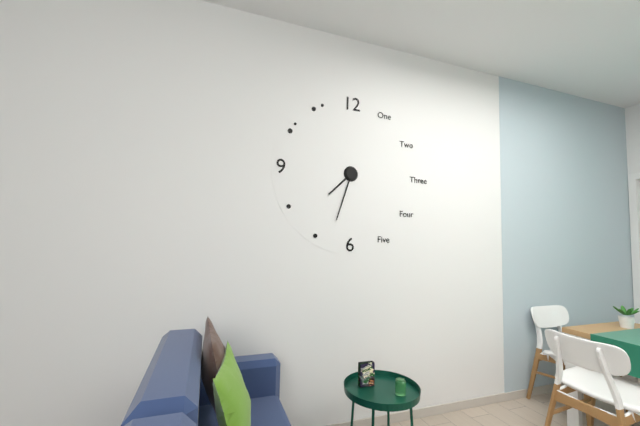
7:33
